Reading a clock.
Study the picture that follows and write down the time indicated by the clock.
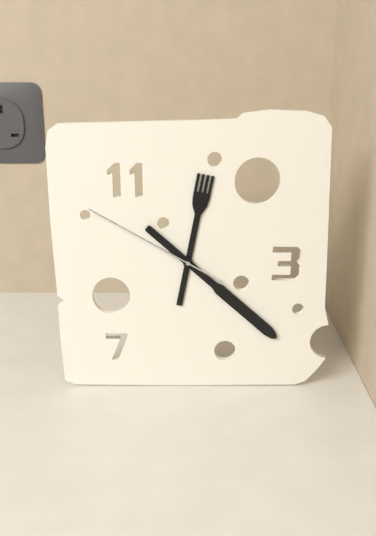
12:22:50
